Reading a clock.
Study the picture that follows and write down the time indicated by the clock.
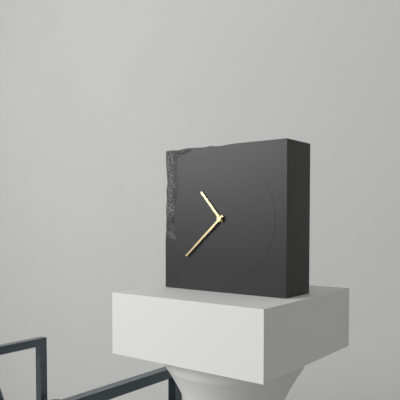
10:38
